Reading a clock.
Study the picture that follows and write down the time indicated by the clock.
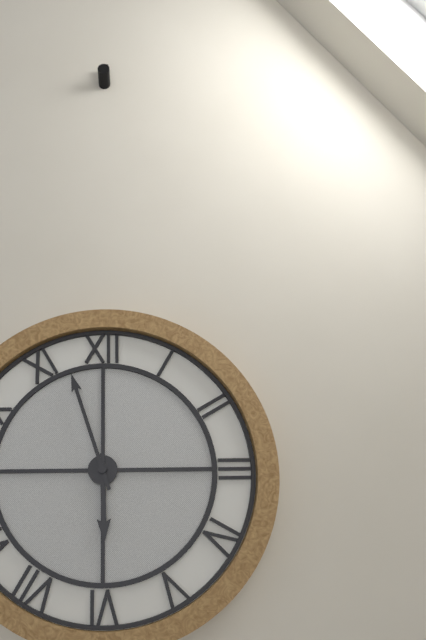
5:57
